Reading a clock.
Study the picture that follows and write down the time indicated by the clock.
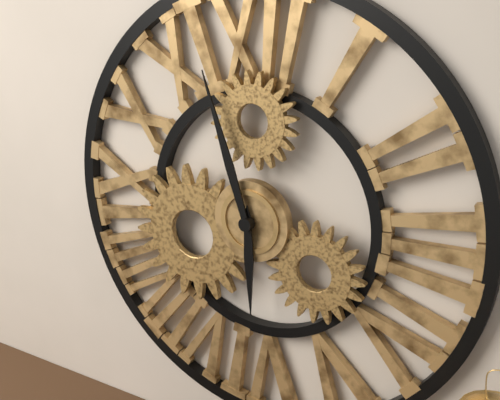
5:57
